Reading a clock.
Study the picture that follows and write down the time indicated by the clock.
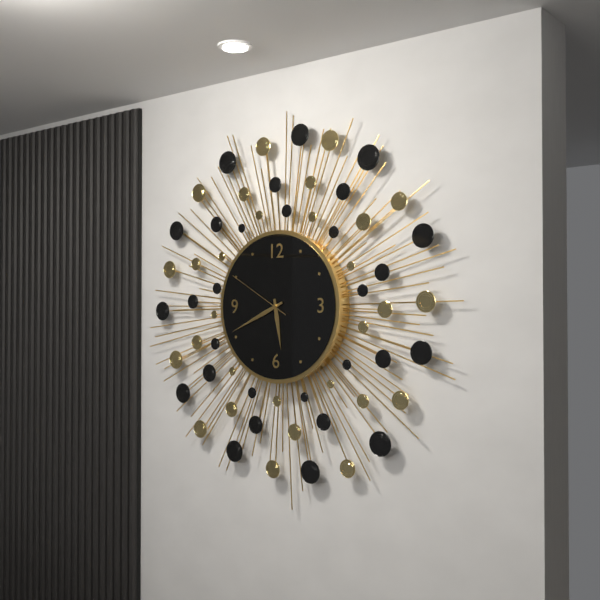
5:41:50
